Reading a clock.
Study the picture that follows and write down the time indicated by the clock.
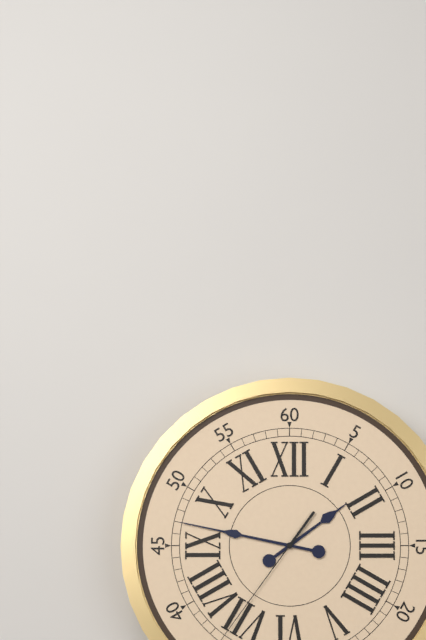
1:47:36
